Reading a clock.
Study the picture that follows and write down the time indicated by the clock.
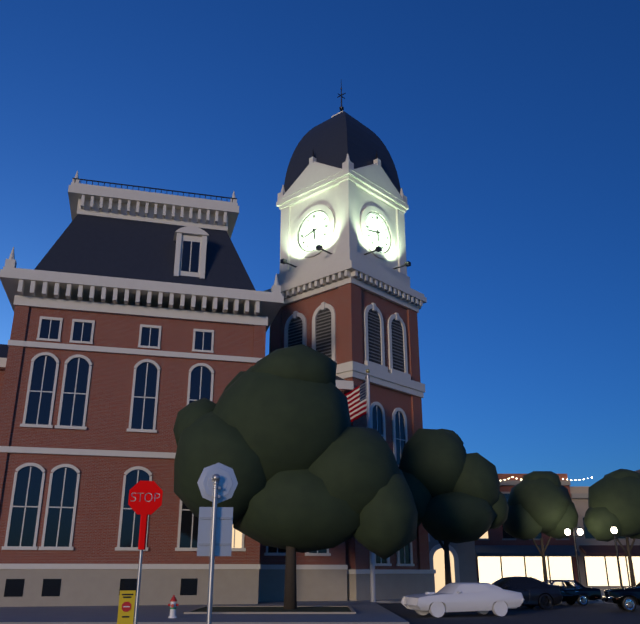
5:43
